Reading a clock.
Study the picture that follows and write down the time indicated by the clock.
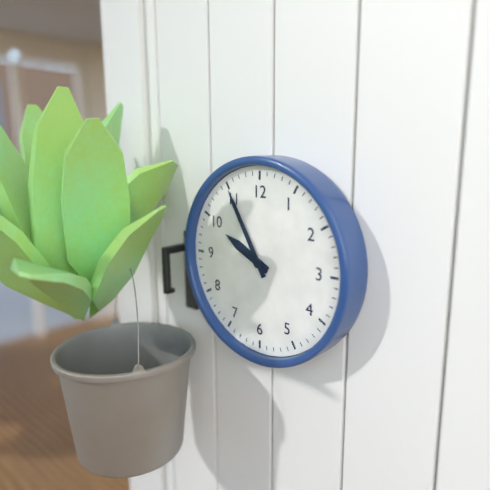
9:55
